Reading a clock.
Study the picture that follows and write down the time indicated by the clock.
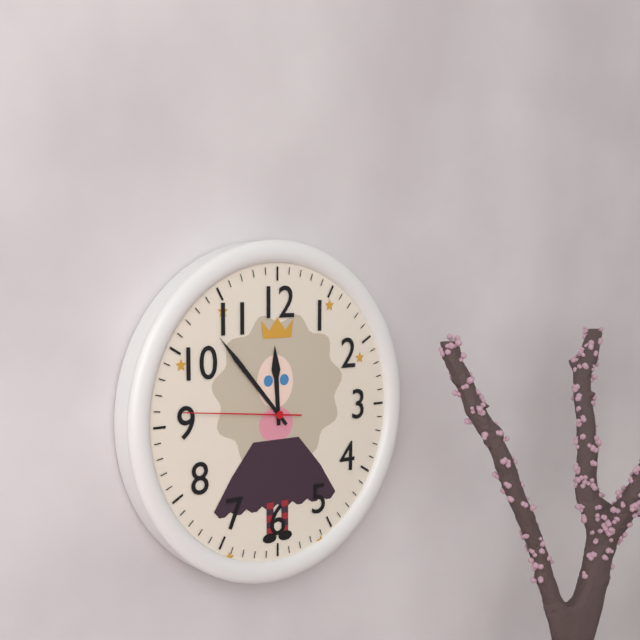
11:53:46
